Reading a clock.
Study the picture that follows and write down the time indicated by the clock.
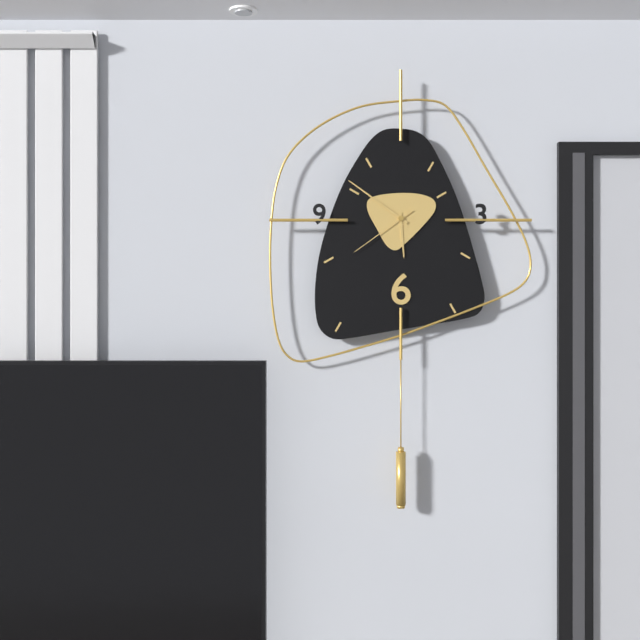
5:51:39
